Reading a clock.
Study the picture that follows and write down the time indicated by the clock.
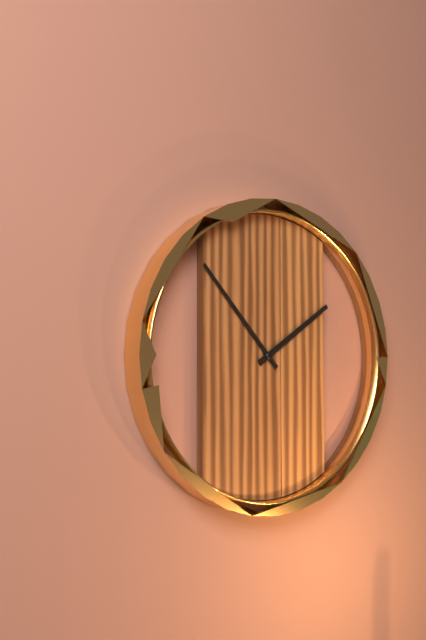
1:53
